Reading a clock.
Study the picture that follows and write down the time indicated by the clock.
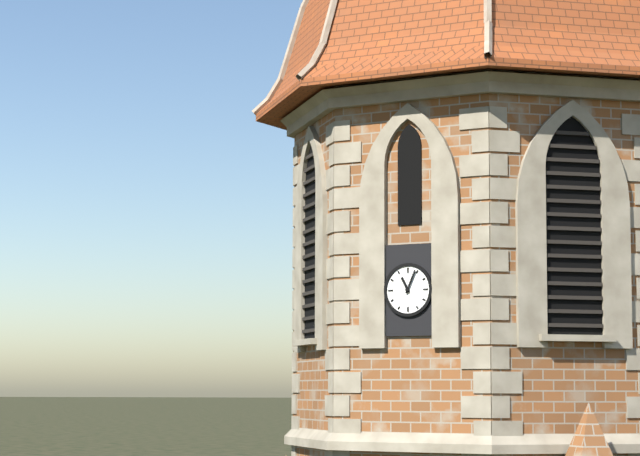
11:04
